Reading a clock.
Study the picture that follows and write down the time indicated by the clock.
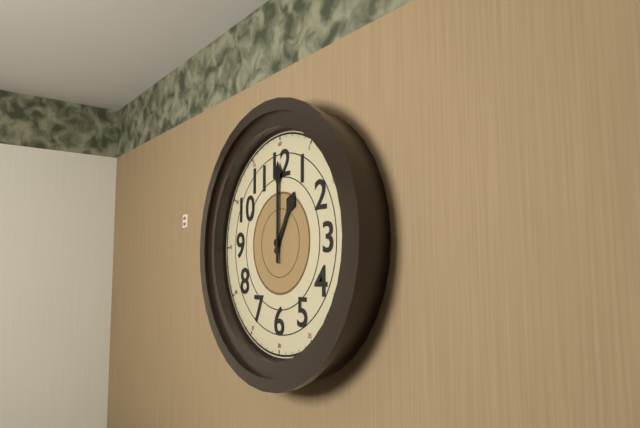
1:00
